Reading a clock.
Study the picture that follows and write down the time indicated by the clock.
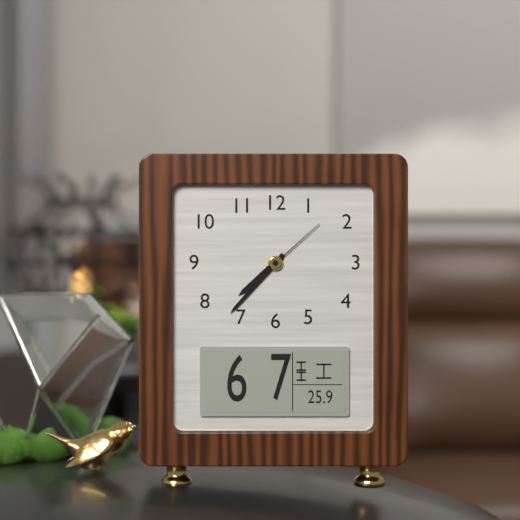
7:37:08
